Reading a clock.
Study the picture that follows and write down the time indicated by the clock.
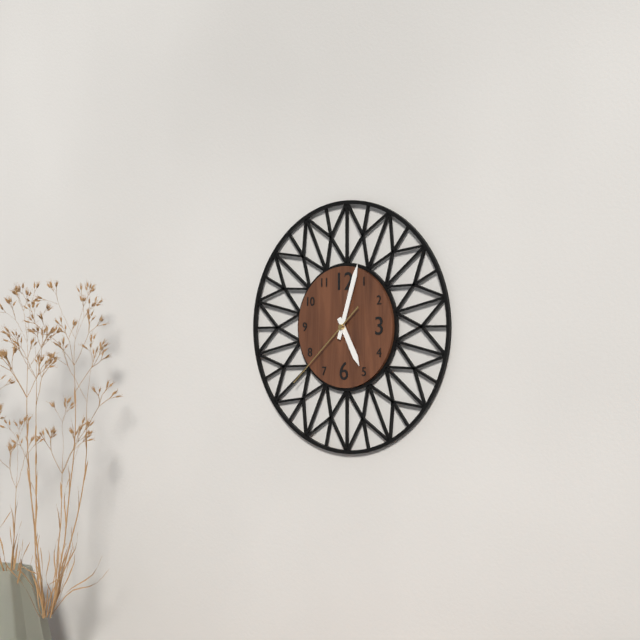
5:03:38
